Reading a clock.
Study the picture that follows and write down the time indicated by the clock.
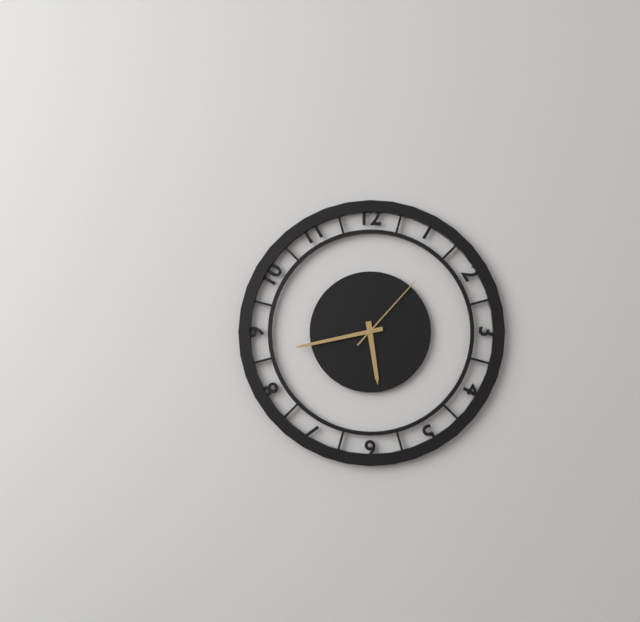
5:43:07
